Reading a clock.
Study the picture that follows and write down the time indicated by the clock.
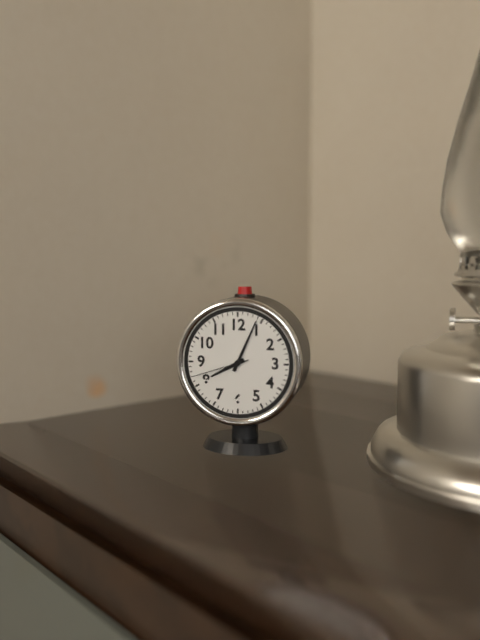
8:04:42
